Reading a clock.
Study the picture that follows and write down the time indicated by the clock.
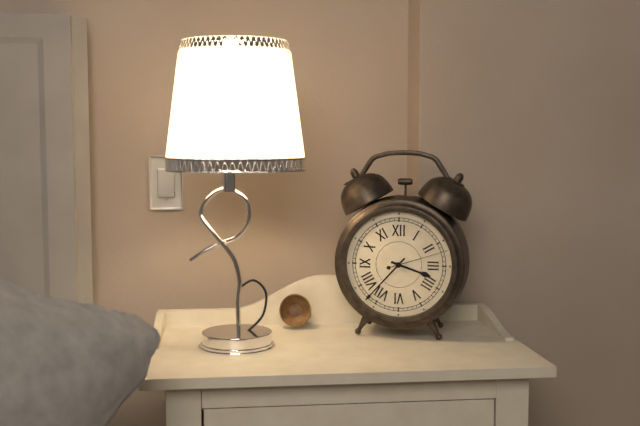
3:37:12
